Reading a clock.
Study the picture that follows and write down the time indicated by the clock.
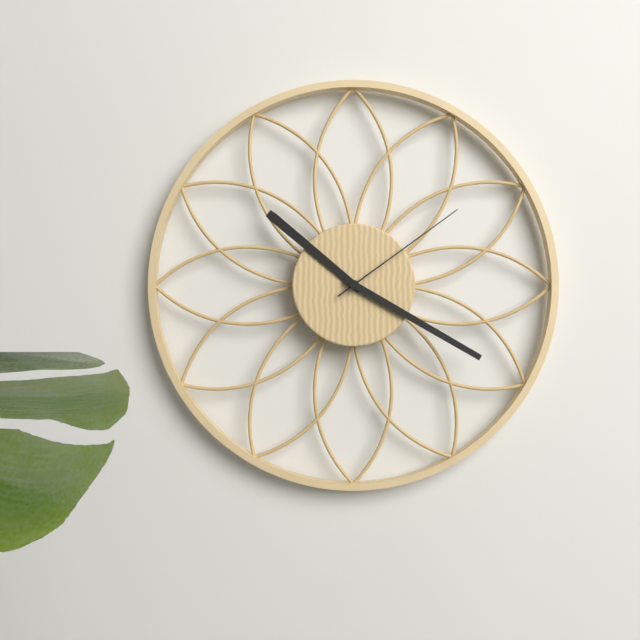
10:20:09
